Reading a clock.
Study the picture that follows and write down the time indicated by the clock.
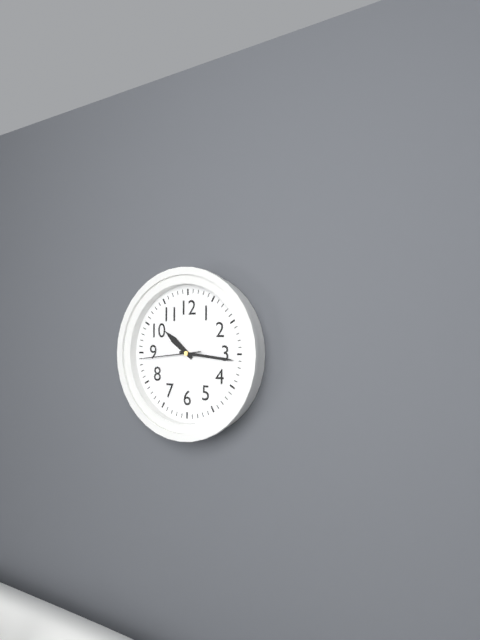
10:16:44
